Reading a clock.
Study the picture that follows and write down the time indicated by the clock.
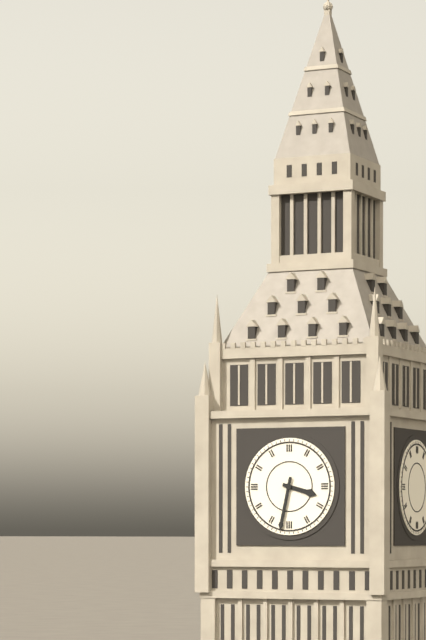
3:32
